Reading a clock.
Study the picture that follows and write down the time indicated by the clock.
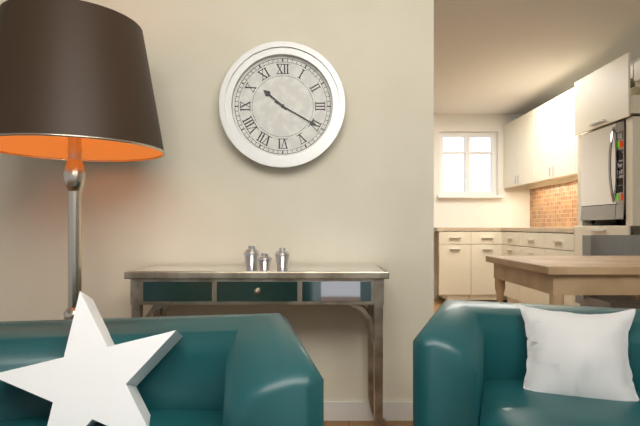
10:20
